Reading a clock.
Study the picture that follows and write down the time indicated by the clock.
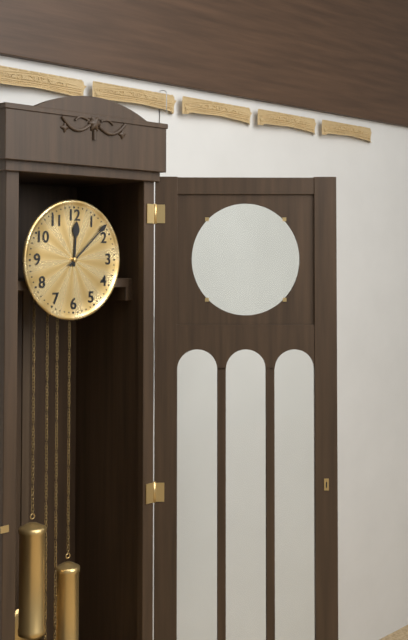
12:08
